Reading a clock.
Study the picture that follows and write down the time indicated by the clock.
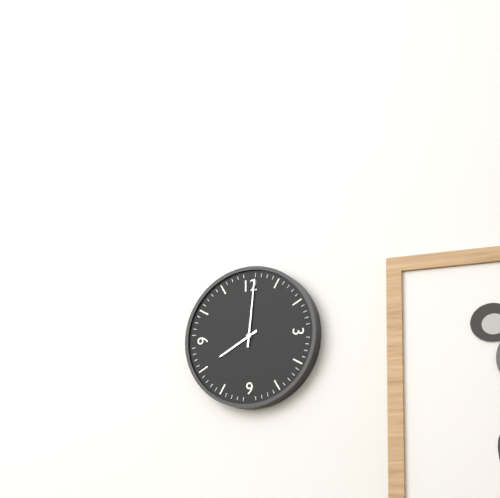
8:01
